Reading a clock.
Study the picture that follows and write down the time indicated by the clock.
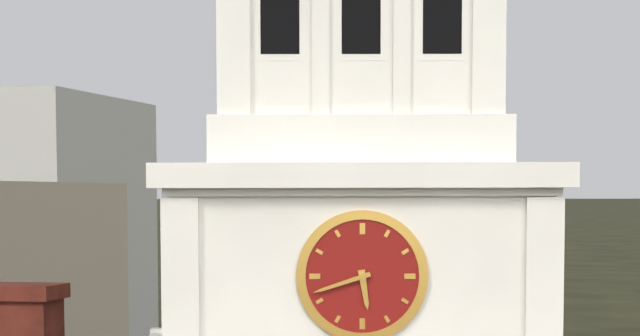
5:42
